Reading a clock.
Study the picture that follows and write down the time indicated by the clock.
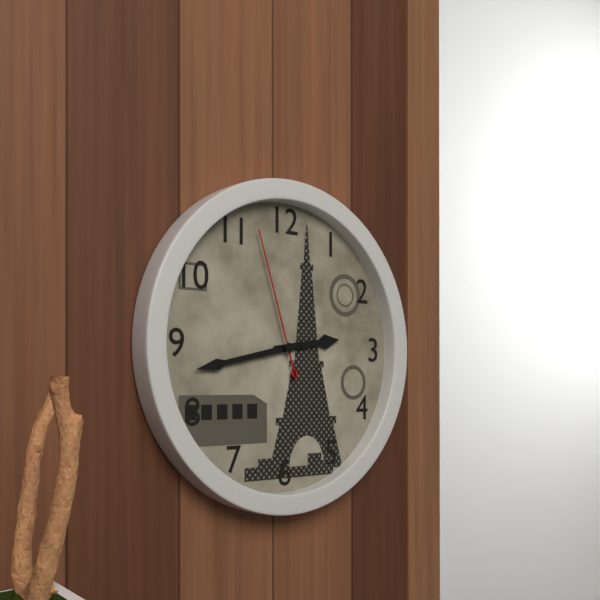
2:43:57
